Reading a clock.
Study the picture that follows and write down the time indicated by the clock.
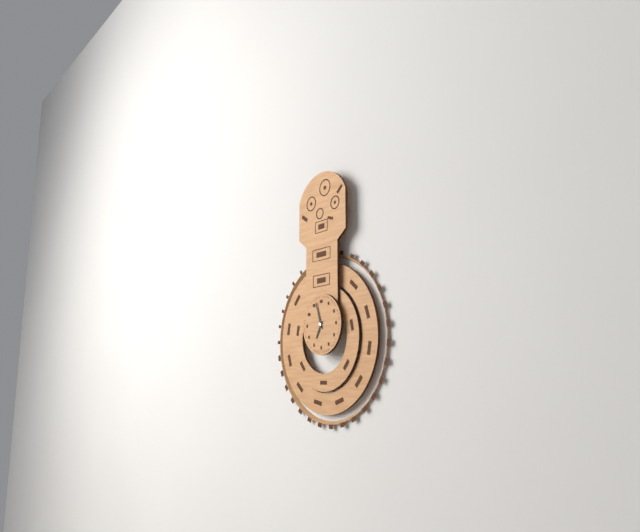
6:57
